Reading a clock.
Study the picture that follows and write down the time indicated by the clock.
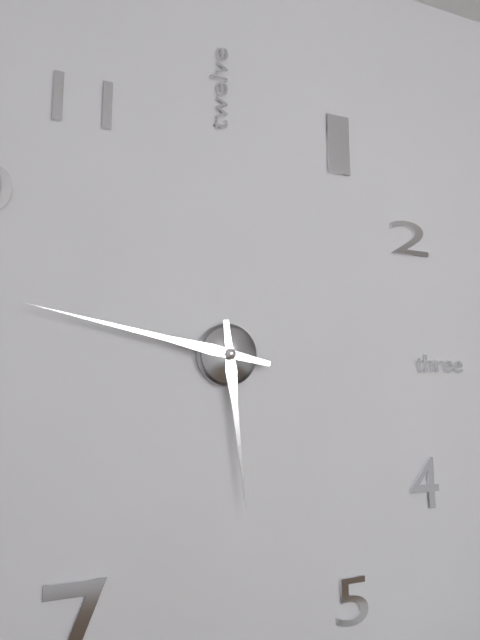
5:47
